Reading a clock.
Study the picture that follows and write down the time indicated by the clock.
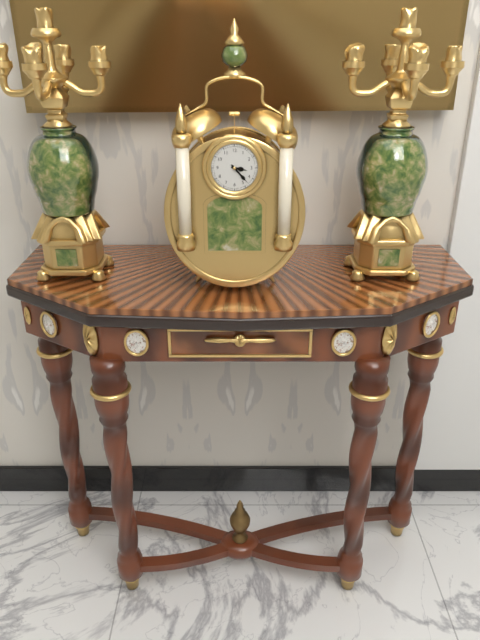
3:23
